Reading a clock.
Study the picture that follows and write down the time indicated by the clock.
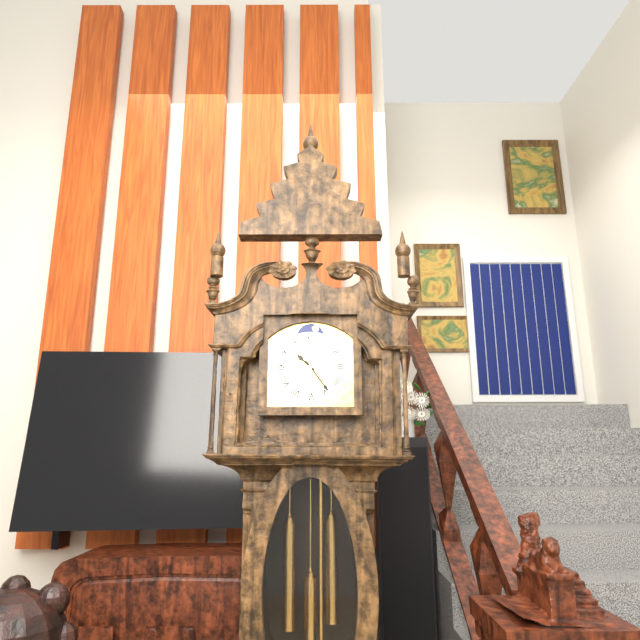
10:24
